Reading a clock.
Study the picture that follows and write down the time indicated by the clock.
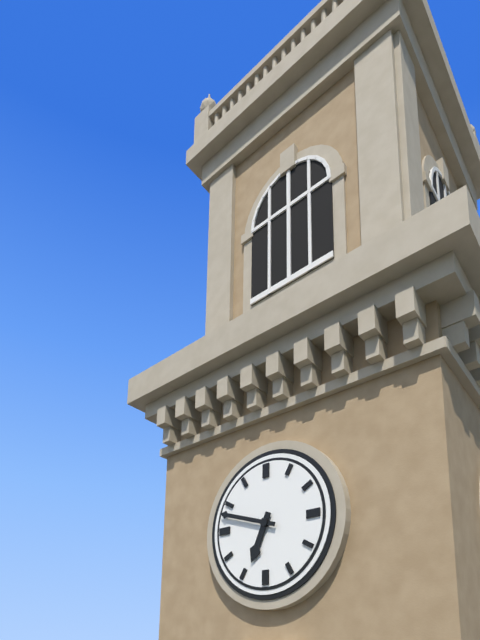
6:48
